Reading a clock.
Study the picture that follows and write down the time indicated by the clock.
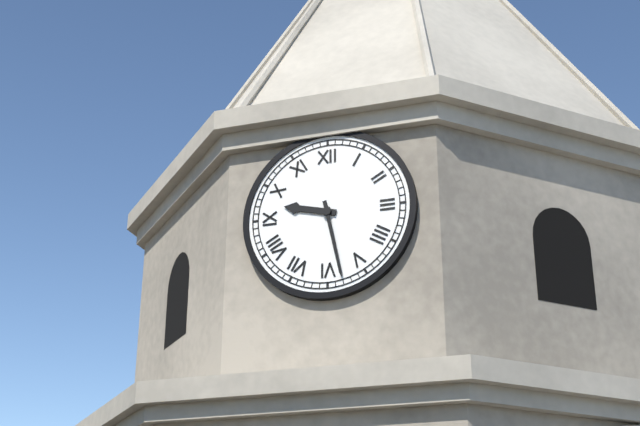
9:28
